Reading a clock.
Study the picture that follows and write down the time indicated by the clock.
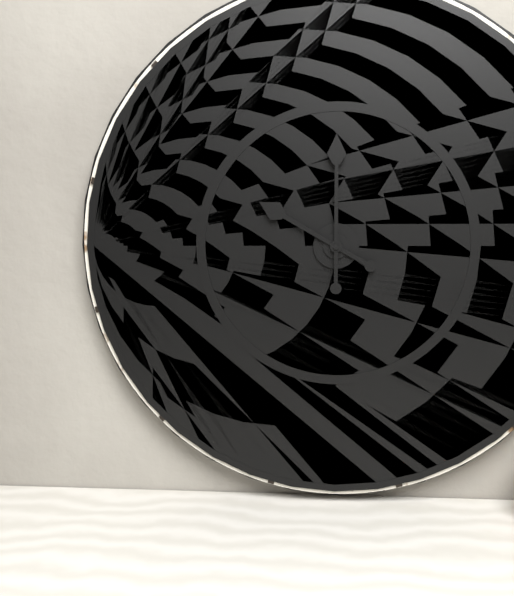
10:00
